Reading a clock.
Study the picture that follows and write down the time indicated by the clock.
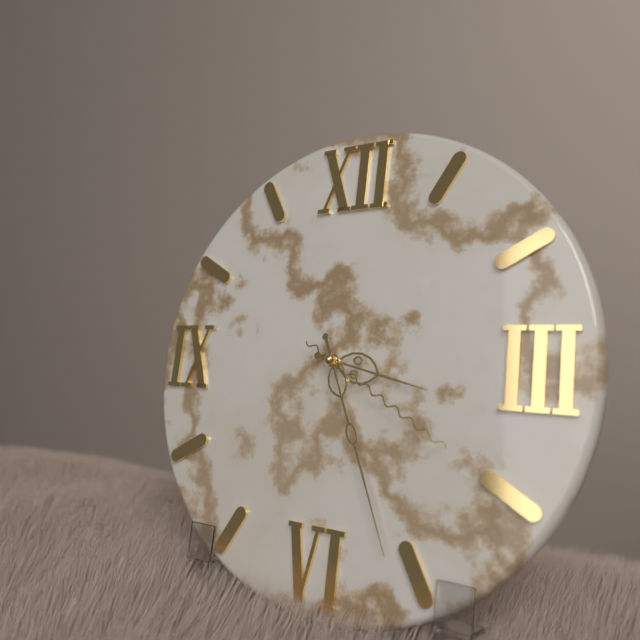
3:26:20
